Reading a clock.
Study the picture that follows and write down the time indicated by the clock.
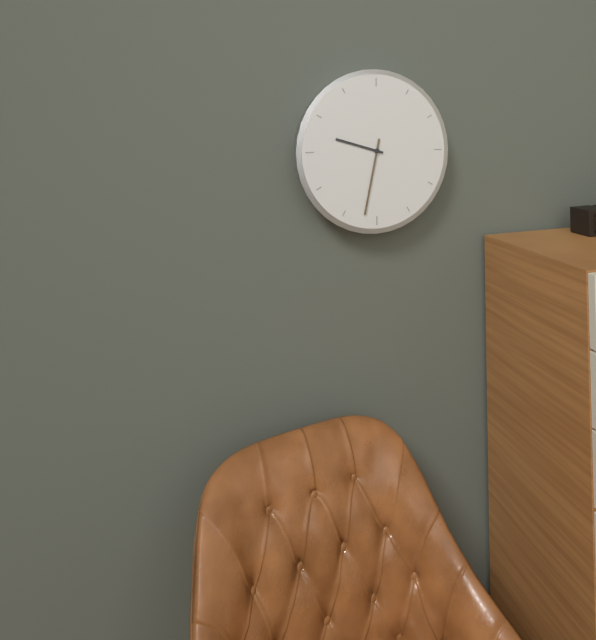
9:32
